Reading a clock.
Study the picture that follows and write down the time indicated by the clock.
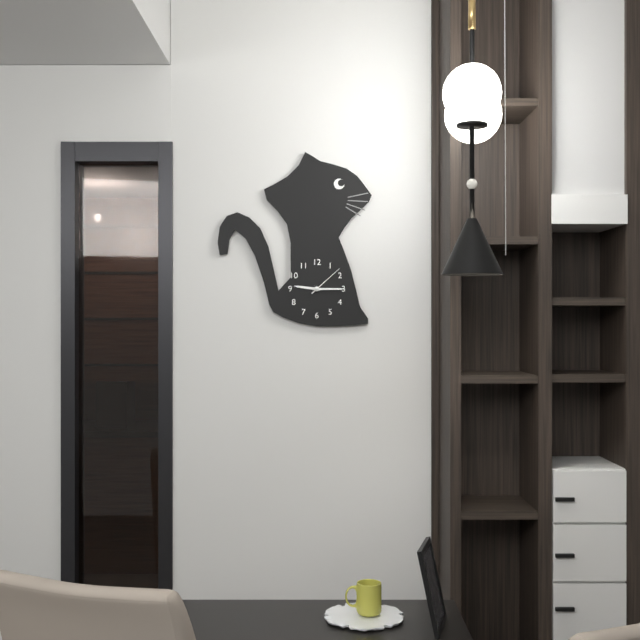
9:15
